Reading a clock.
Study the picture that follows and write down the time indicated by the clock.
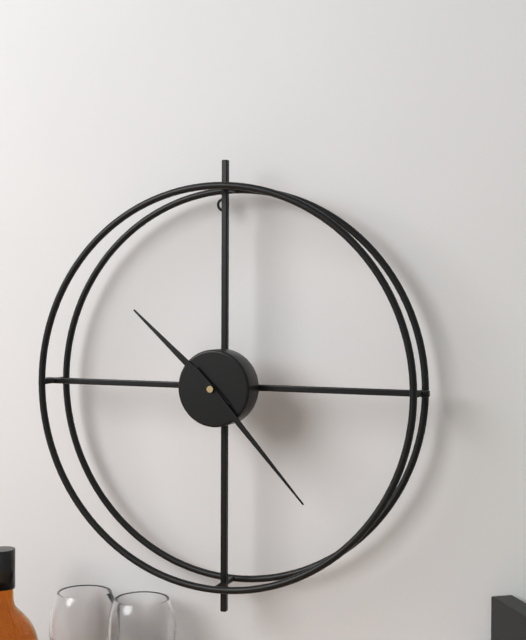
10:23
